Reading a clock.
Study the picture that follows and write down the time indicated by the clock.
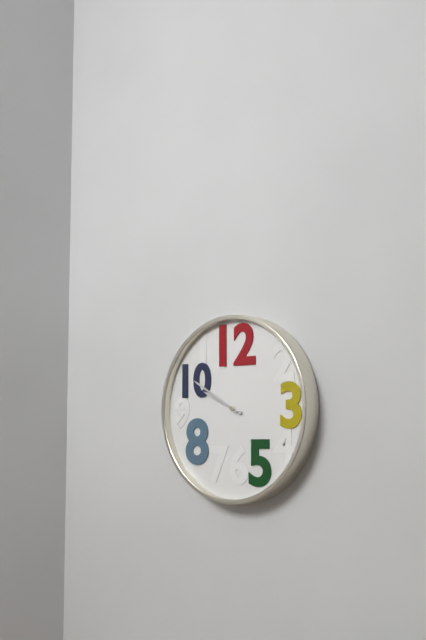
9:50
